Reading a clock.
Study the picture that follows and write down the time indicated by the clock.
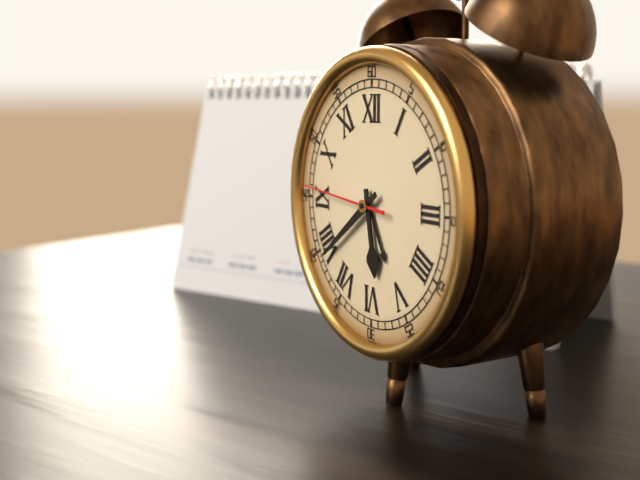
5:39:46
